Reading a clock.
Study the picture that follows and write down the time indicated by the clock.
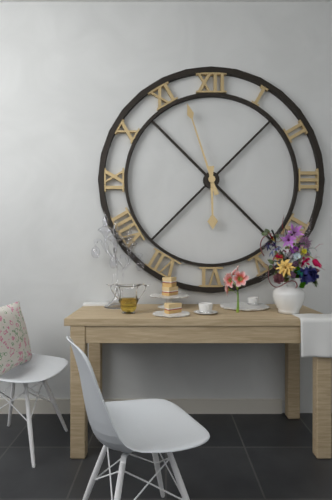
5:57
